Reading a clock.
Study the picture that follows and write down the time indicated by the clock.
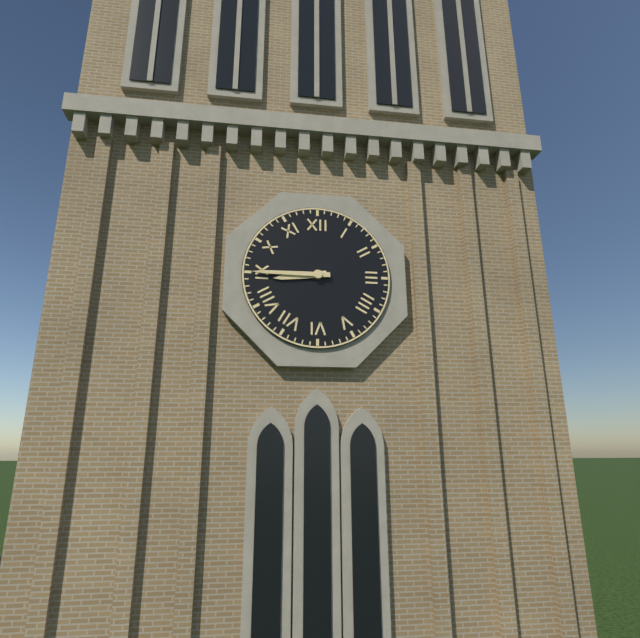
8:45
